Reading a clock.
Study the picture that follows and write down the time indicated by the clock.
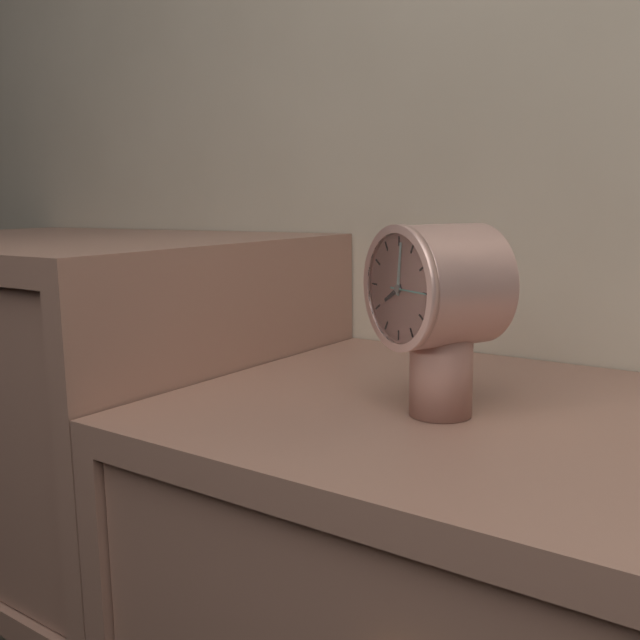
8:01
